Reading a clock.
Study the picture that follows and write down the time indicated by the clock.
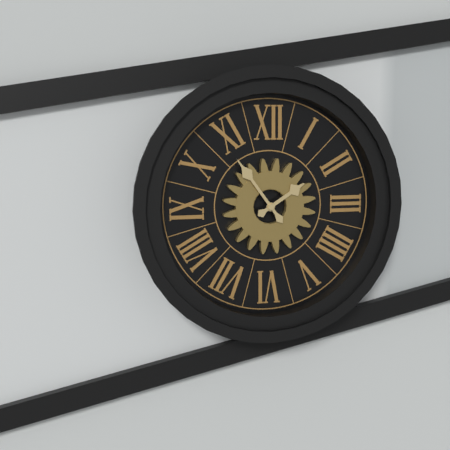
1:54
